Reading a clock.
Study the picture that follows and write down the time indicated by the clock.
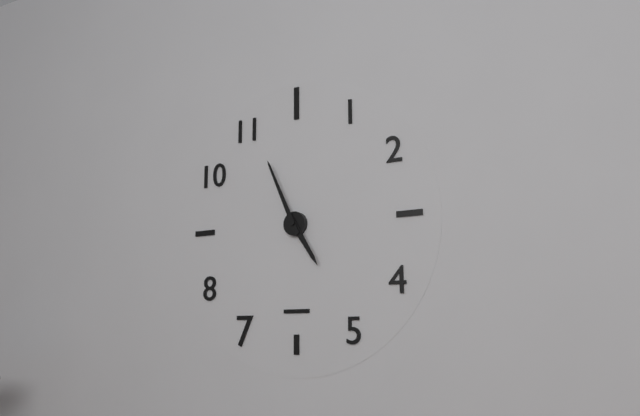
4:56
